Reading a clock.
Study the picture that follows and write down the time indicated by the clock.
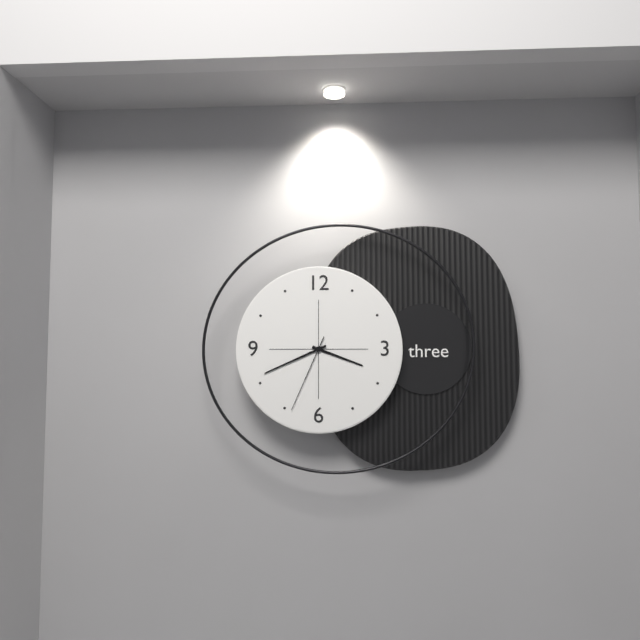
3:41:34
